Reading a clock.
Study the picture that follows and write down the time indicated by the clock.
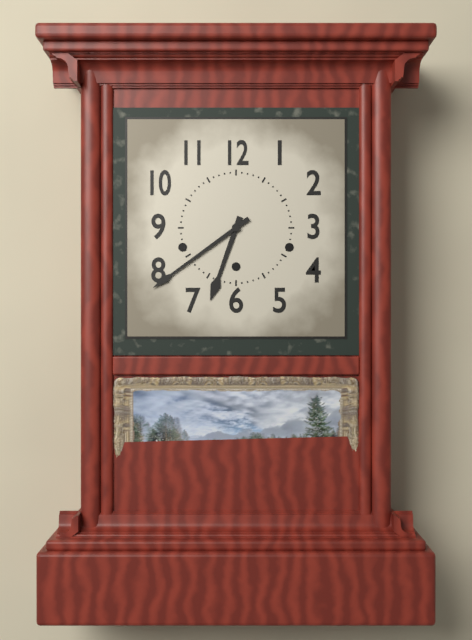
6:39
